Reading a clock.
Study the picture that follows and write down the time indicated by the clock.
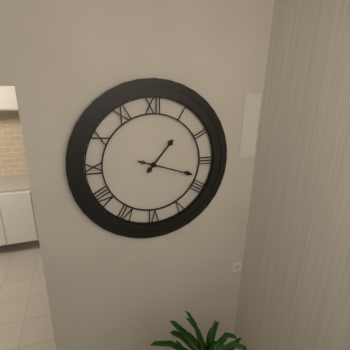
1:18
